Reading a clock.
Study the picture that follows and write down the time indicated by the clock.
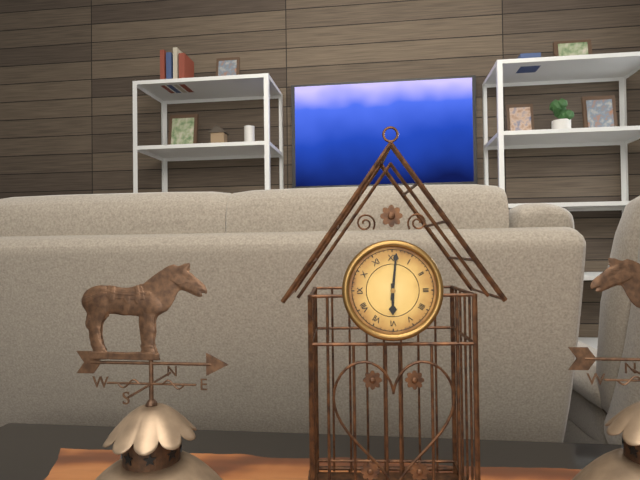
6:01
